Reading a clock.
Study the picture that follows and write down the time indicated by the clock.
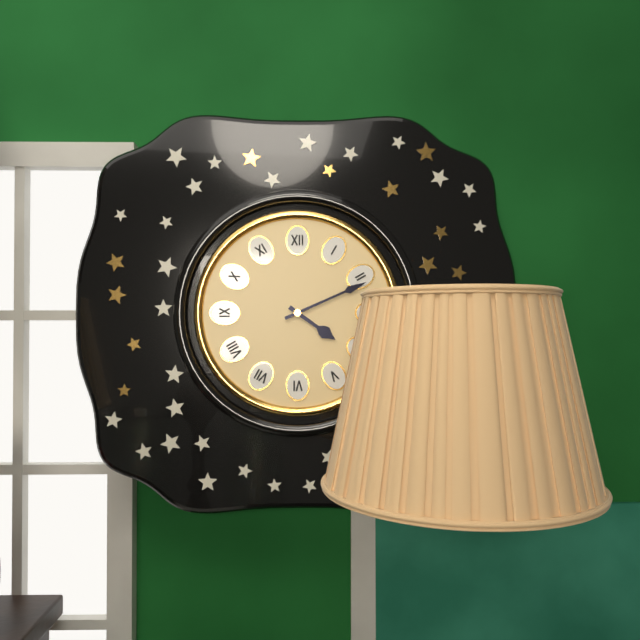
4:11
